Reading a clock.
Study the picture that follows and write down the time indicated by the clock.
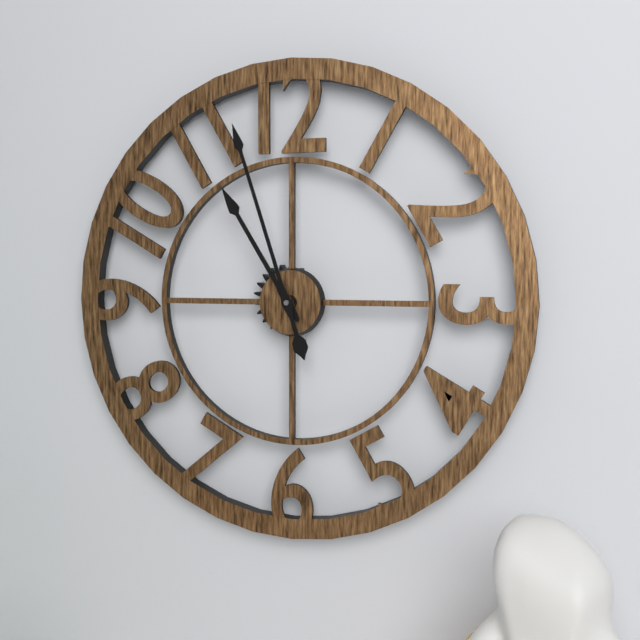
10:57
